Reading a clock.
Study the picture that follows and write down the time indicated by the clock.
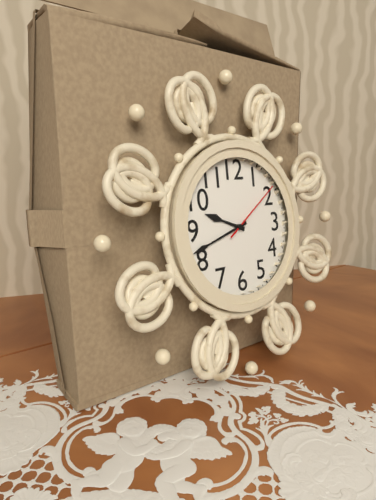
9:42:09
